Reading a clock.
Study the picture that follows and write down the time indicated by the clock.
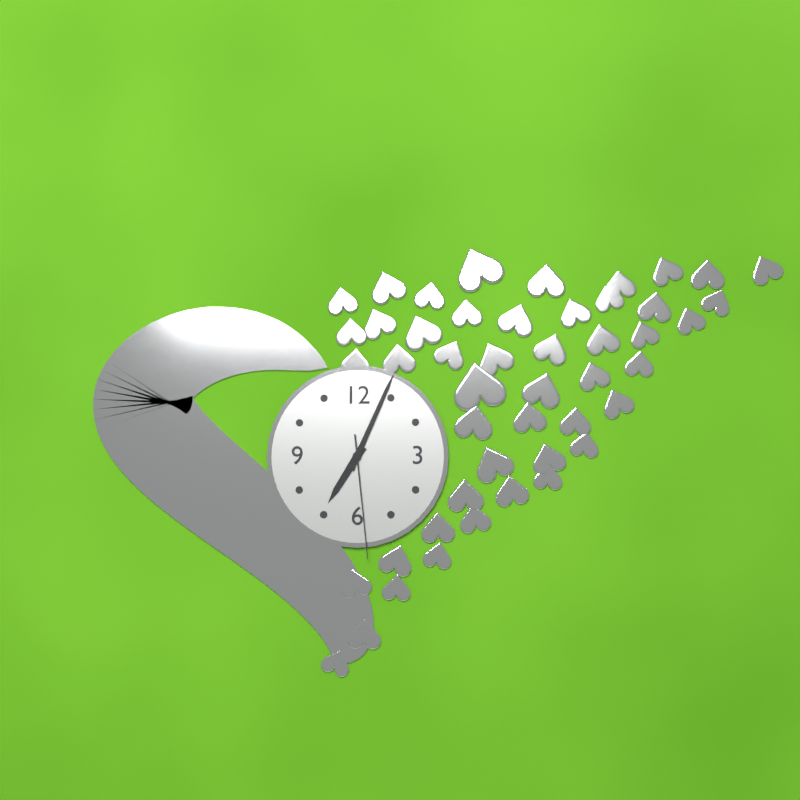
7:04:29
